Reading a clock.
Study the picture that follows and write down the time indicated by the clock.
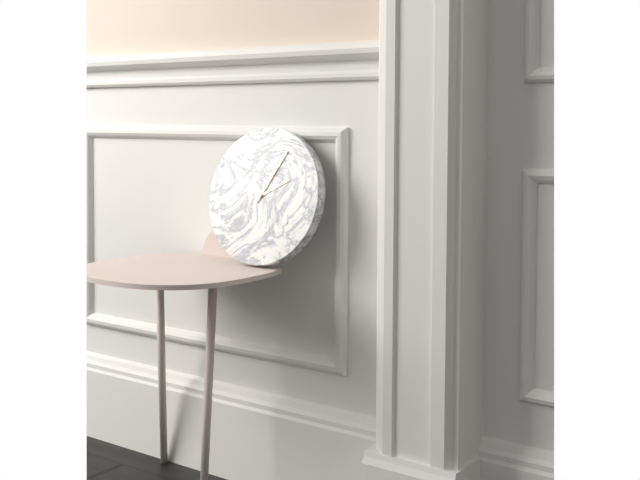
2:05
